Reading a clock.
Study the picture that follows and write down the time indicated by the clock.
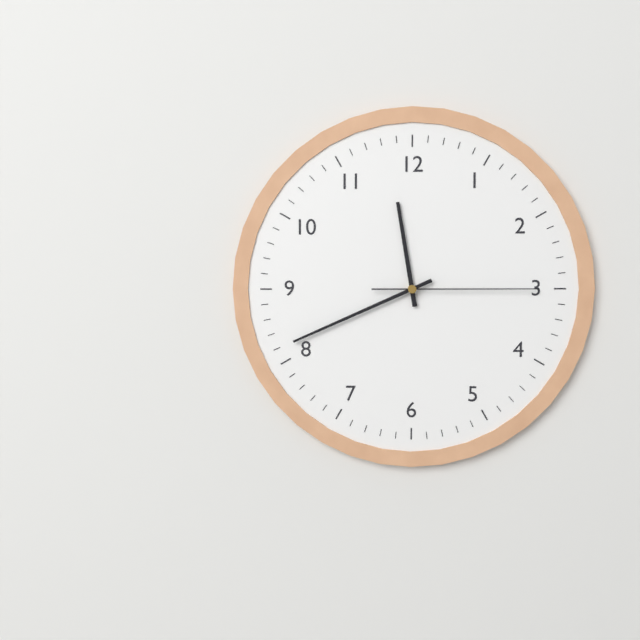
11:41:15
